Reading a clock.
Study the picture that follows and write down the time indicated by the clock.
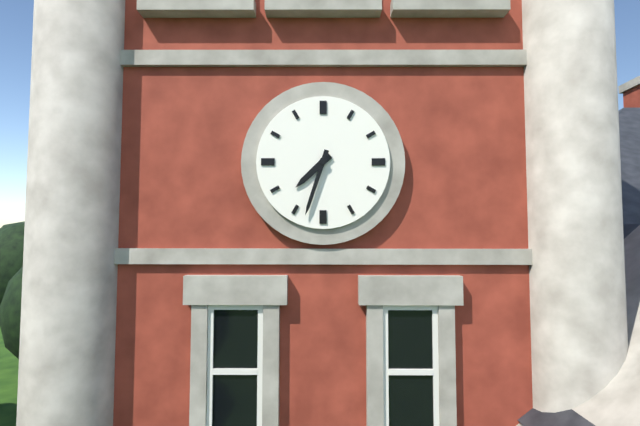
7:33
